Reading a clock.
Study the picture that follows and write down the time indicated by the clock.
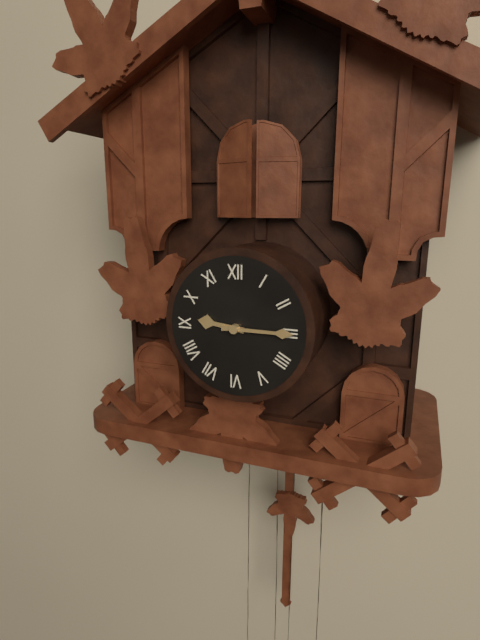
9:15
